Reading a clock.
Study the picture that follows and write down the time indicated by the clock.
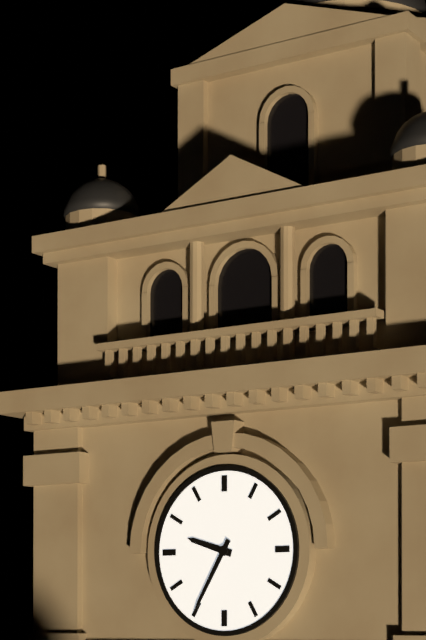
9:35
